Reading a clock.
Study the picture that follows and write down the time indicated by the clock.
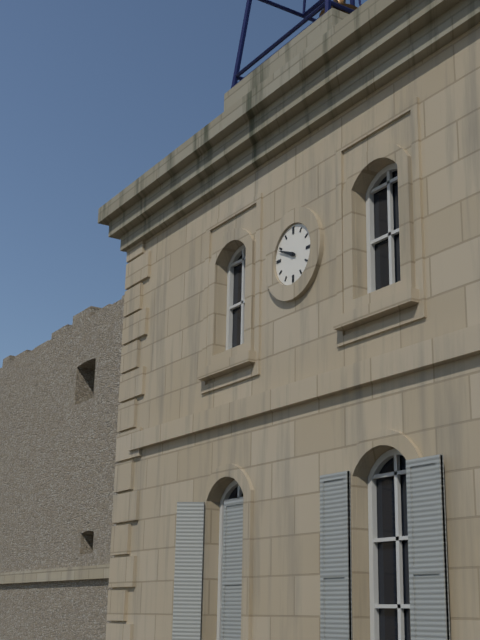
9:49
